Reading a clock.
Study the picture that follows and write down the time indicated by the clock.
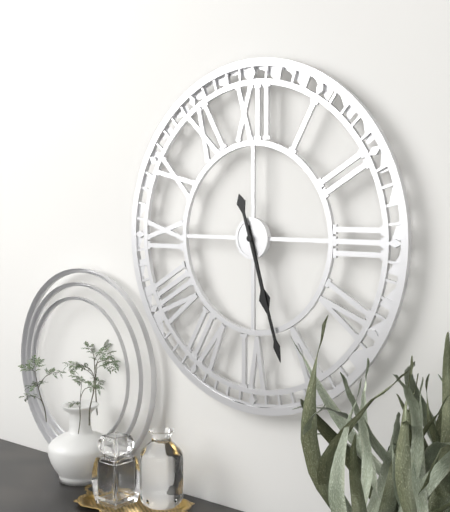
5:27
